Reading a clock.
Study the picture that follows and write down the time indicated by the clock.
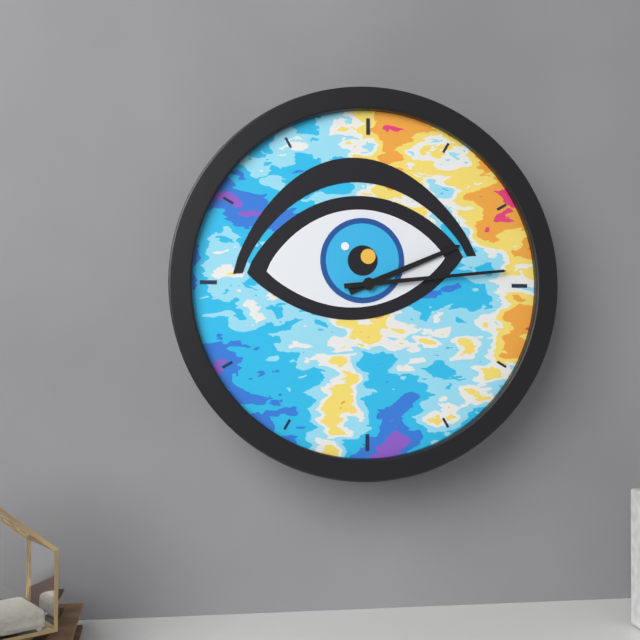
2:14
